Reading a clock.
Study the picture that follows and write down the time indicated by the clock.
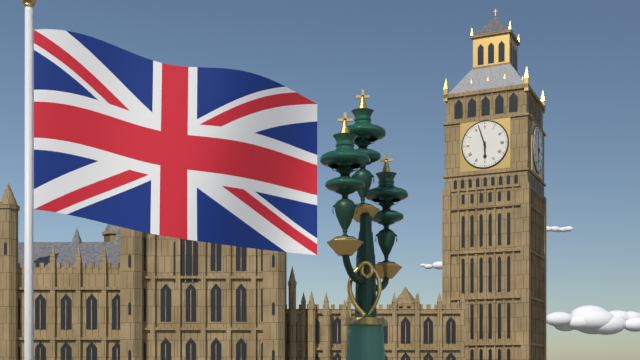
5:57
